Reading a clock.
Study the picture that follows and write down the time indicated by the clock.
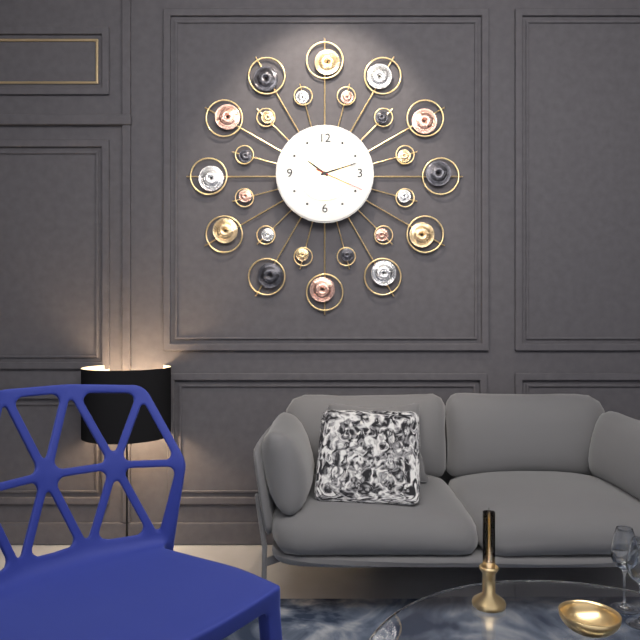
10:12:19
